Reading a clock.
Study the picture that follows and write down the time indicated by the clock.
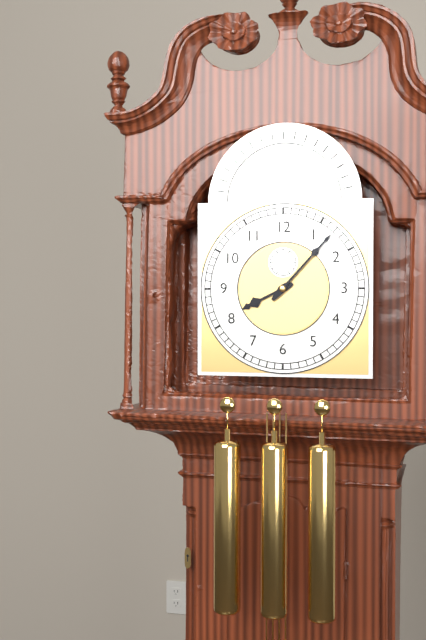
8:07
